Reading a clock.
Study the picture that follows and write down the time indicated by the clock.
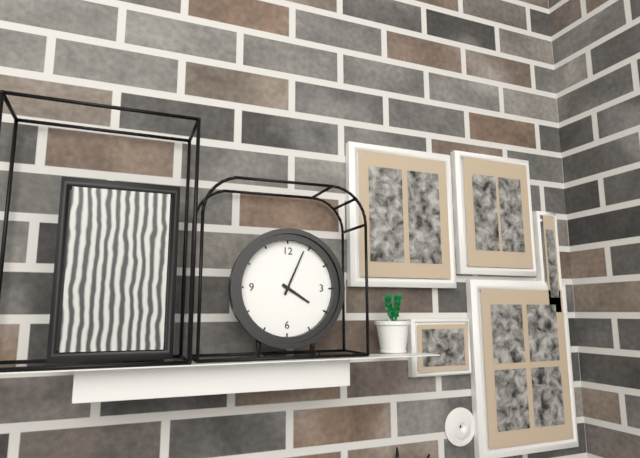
4:04
